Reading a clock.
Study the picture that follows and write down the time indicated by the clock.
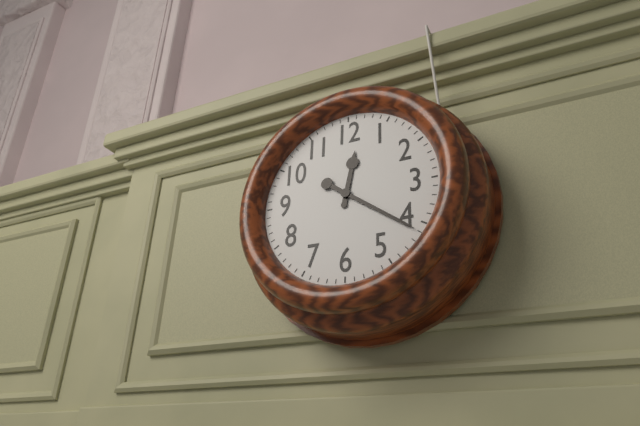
12:21
